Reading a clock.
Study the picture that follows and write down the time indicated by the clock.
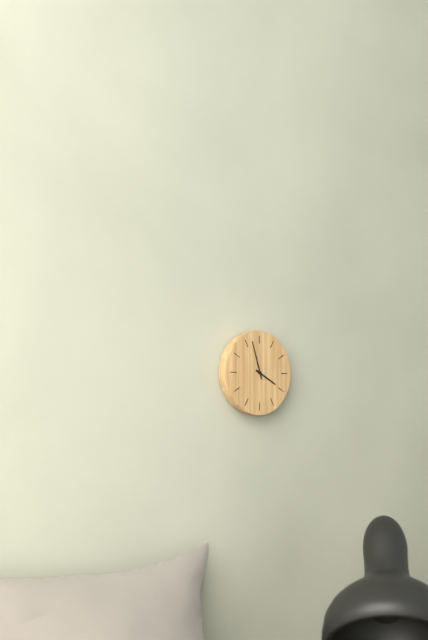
3:57
